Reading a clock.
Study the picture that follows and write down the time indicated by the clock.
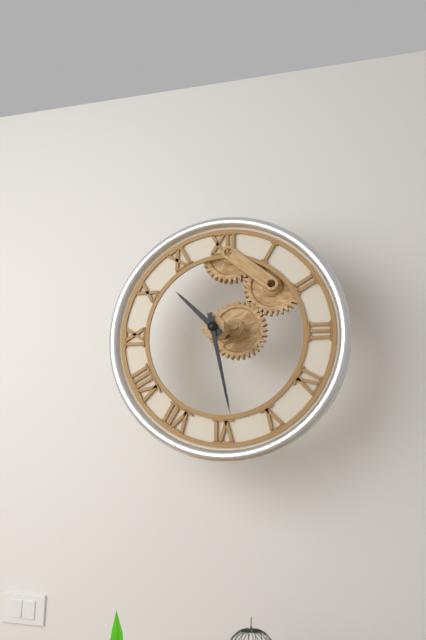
10:28
